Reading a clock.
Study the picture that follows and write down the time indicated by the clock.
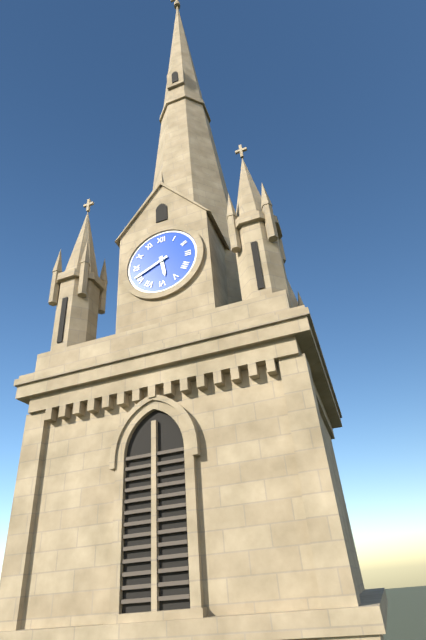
5:41
